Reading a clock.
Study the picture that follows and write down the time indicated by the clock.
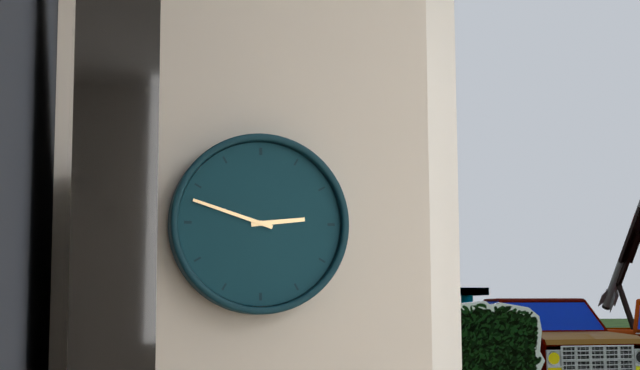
2:48
